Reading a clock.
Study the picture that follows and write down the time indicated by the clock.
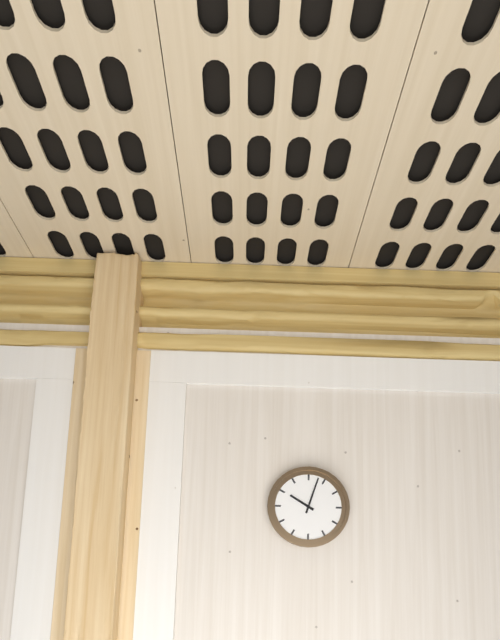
10:03
